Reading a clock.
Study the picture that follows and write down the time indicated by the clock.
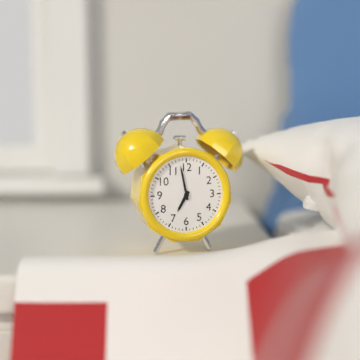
6:58
